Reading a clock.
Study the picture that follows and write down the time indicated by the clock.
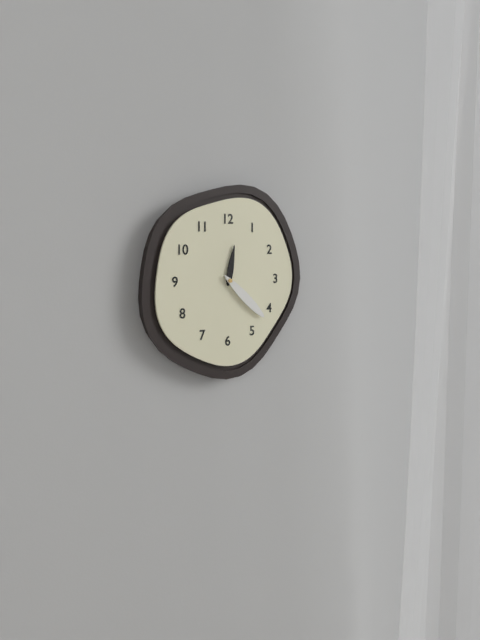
12:22
